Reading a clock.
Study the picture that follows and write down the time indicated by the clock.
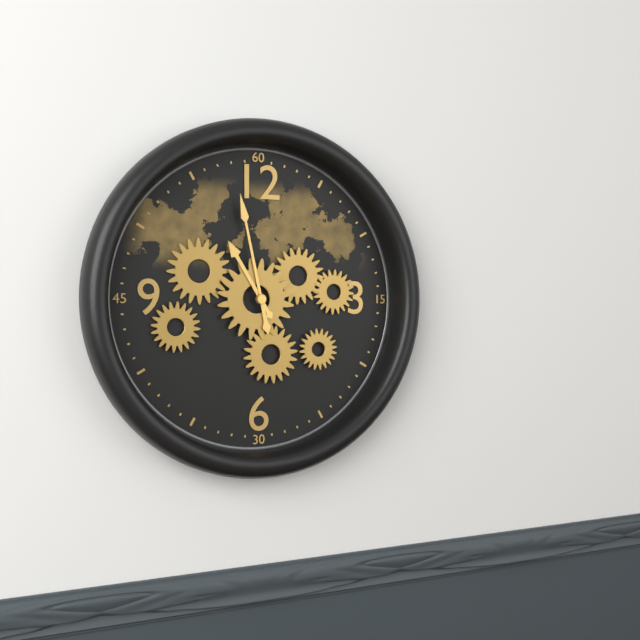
10:58
